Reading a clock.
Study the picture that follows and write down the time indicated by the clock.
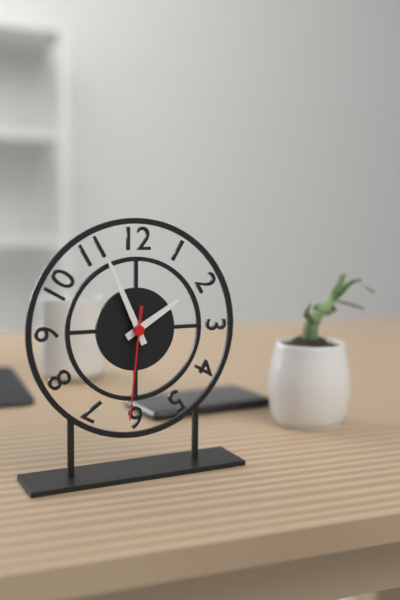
1:56:31
